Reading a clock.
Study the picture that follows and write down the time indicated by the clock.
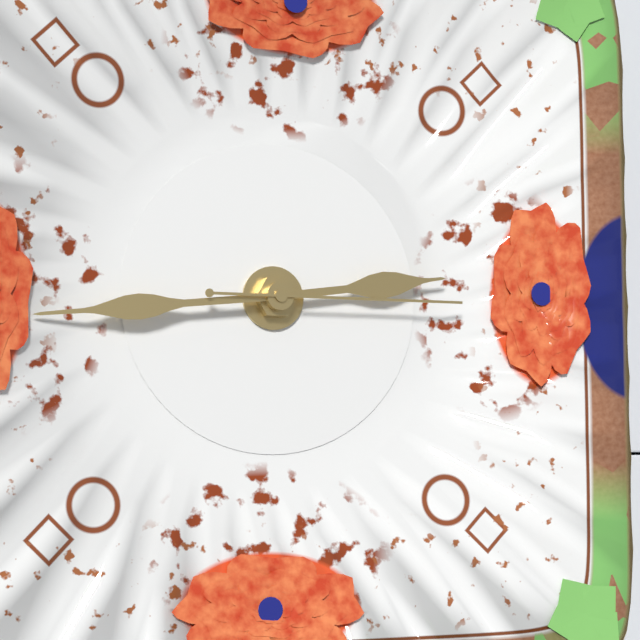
2:44:15
